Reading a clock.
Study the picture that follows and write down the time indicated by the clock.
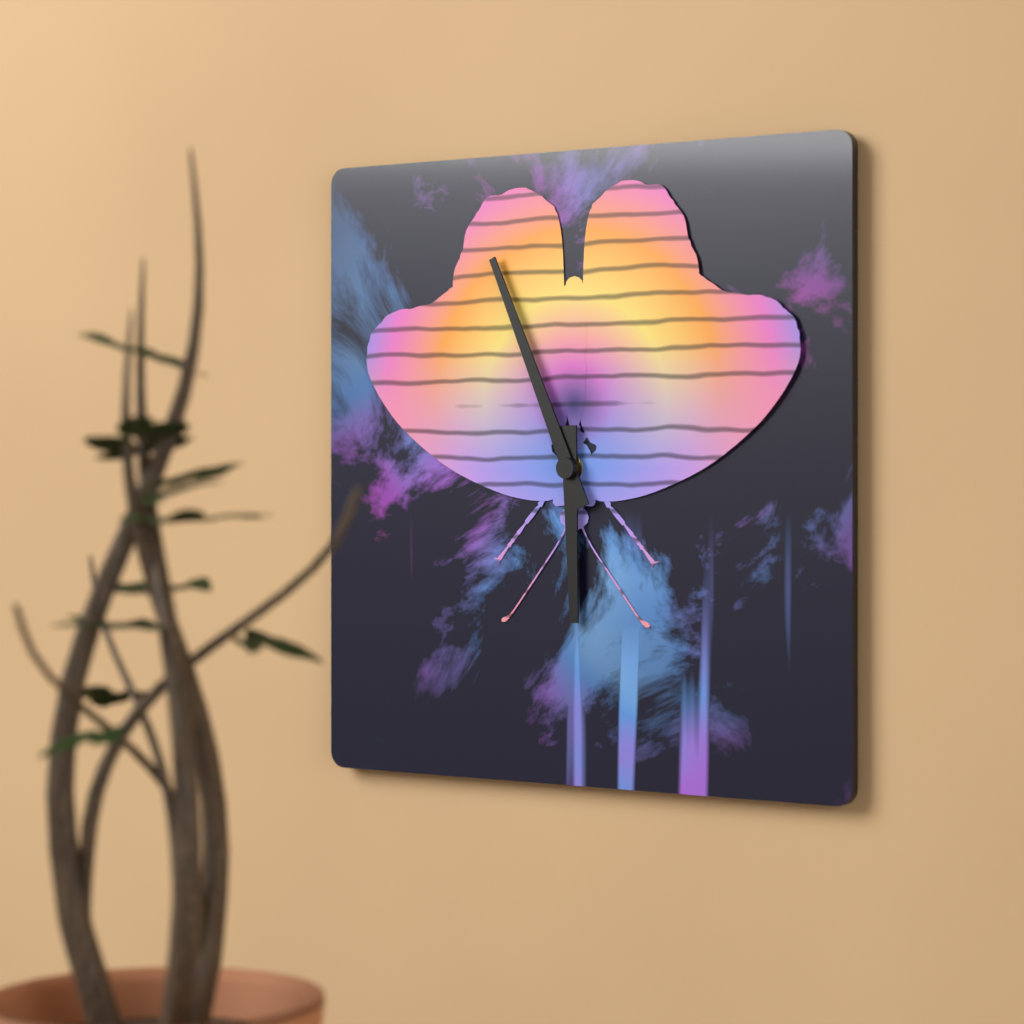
5:56
